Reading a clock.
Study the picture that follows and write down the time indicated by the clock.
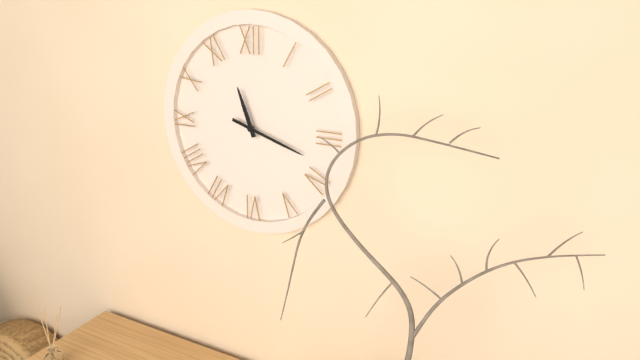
11:18
